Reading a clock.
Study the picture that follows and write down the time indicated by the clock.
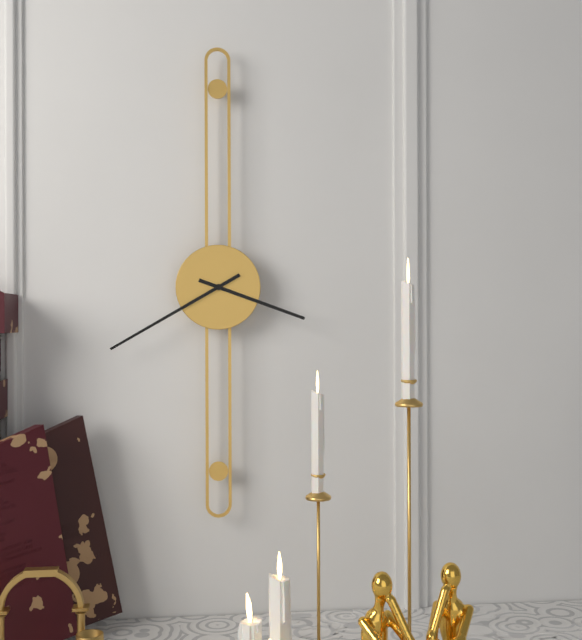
3:40
